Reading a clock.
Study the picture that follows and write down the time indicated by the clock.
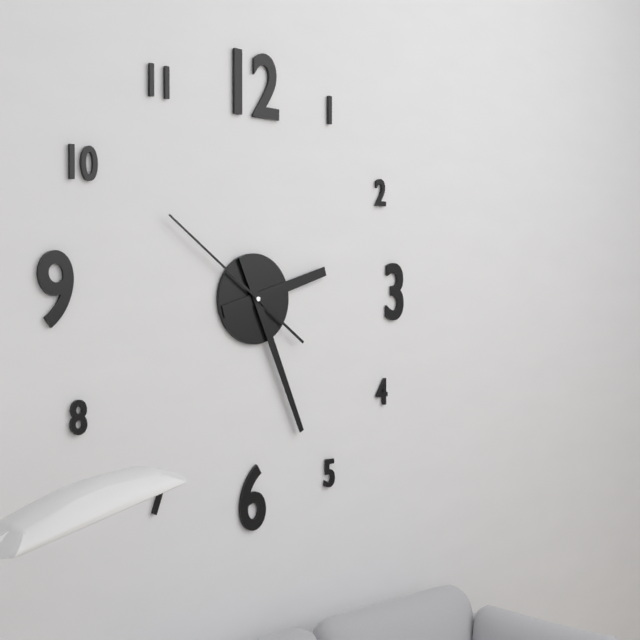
2:26:51
